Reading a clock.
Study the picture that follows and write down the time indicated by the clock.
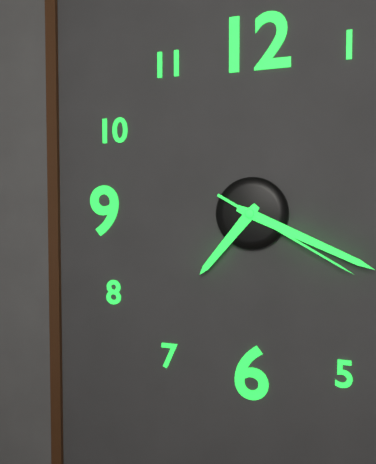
7:19:20
